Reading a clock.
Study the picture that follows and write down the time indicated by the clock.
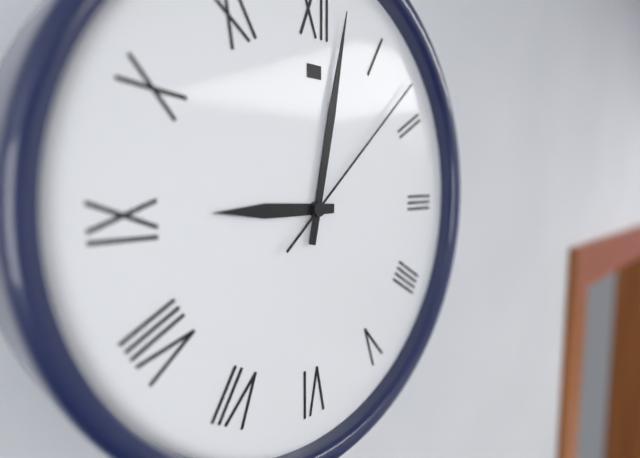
9:02:08
